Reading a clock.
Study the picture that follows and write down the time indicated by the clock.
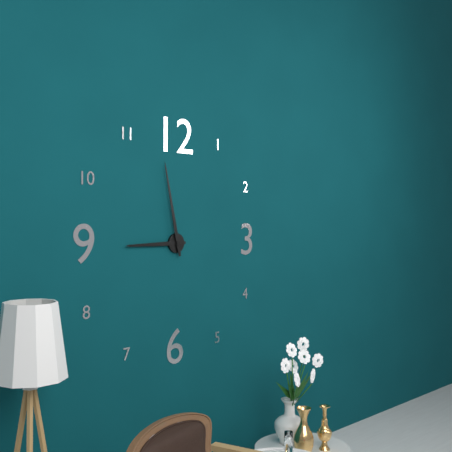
8:58
